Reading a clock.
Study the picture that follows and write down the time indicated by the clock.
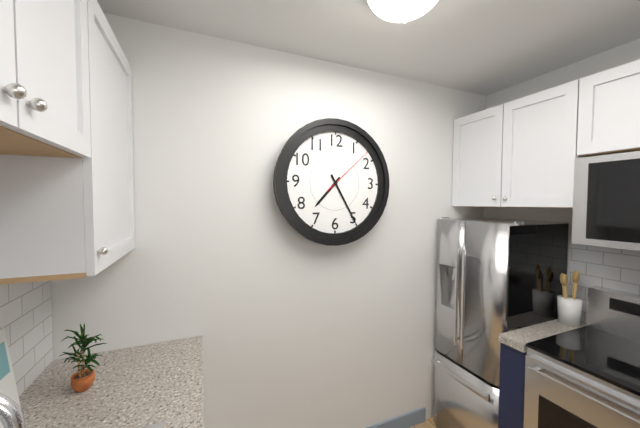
7:25:08
